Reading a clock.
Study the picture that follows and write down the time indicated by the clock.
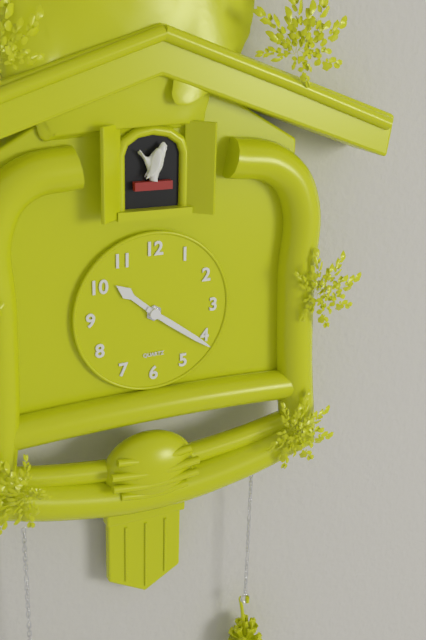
10:21
